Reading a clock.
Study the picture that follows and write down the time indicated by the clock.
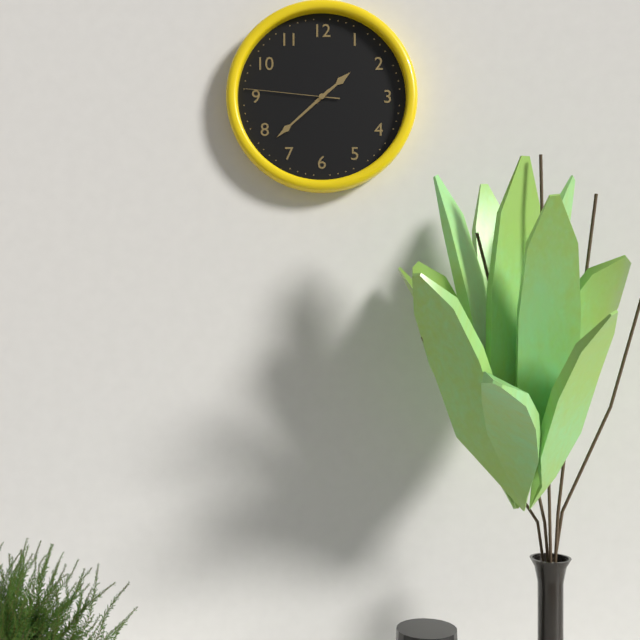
1:38:46
